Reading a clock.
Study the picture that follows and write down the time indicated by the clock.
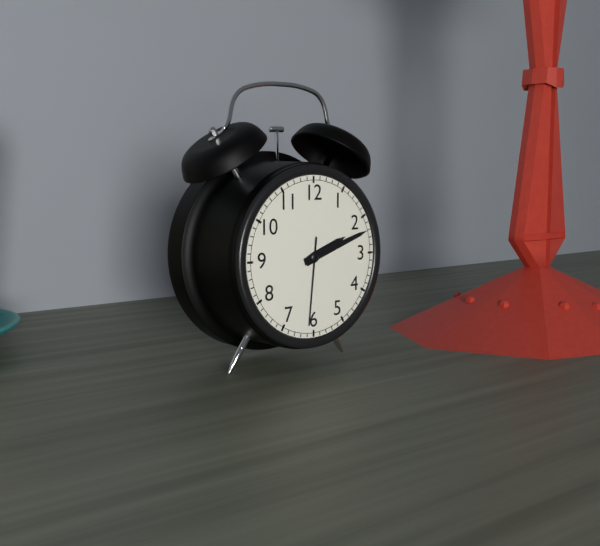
2:12:31
